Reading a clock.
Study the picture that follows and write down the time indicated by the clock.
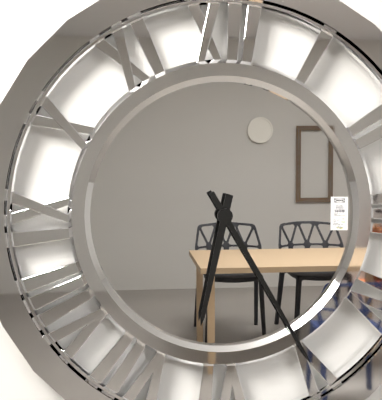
6:25
